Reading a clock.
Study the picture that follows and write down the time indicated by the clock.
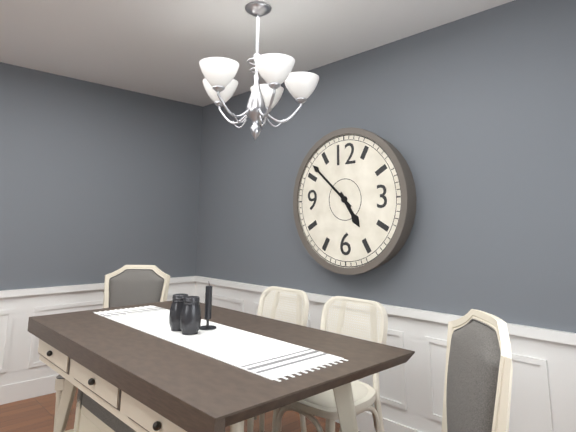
4:52
